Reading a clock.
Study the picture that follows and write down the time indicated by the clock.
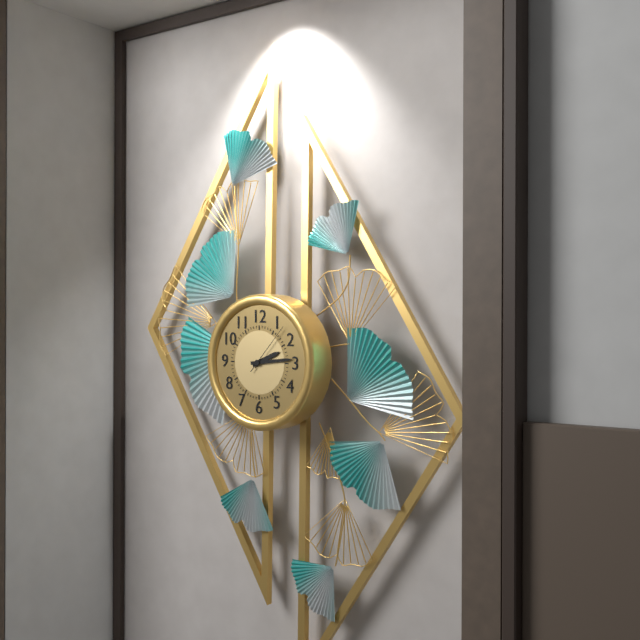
2:14:07
